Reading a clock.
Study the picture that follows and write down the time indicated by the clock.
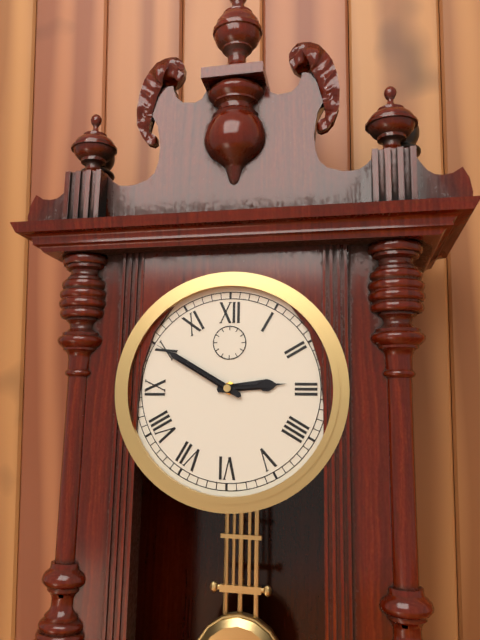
2:50
